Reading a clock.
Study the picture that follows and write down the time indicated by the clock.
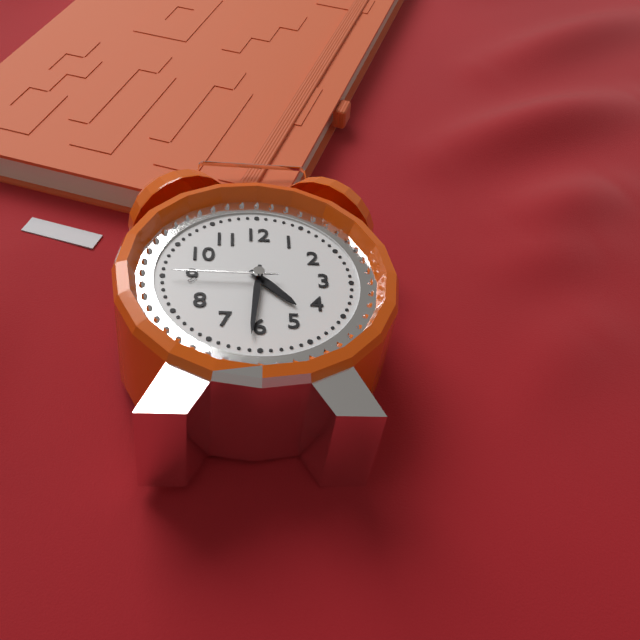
4:31:45
